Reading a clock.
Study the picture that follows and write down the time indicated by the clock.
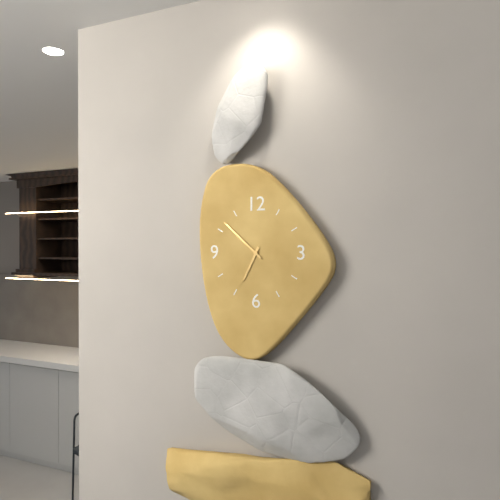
6:52
